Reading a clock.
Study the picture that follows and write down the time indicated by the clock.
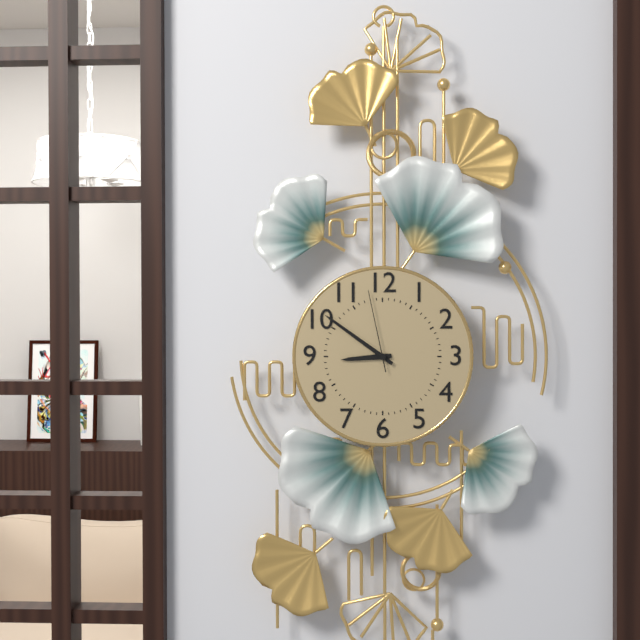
8:51:58
